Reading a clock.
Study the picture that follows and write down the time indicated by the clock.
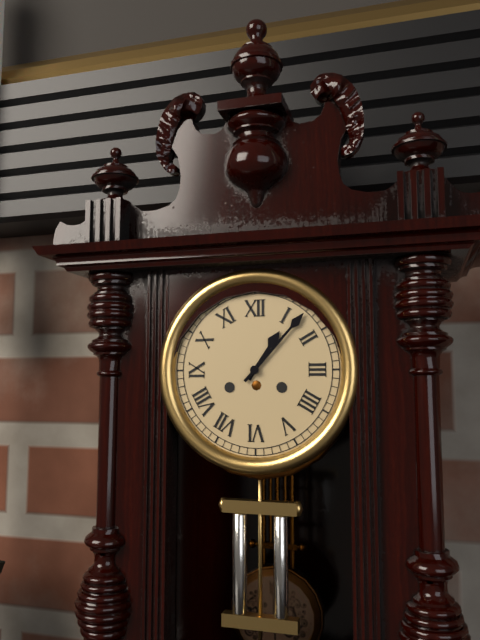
1:07
